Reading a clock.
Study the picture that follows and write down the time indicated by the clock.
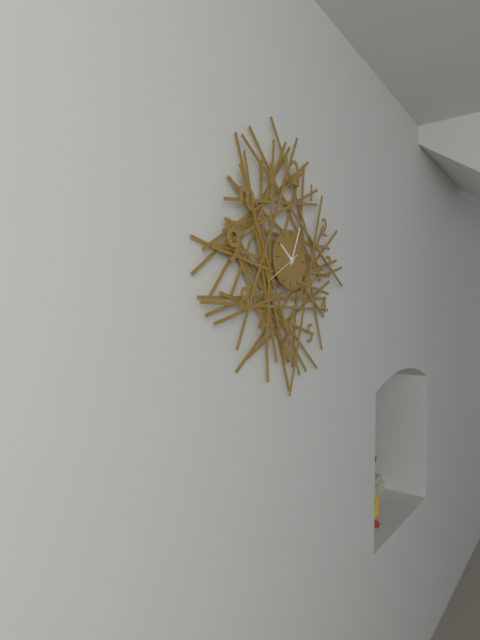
10:04
